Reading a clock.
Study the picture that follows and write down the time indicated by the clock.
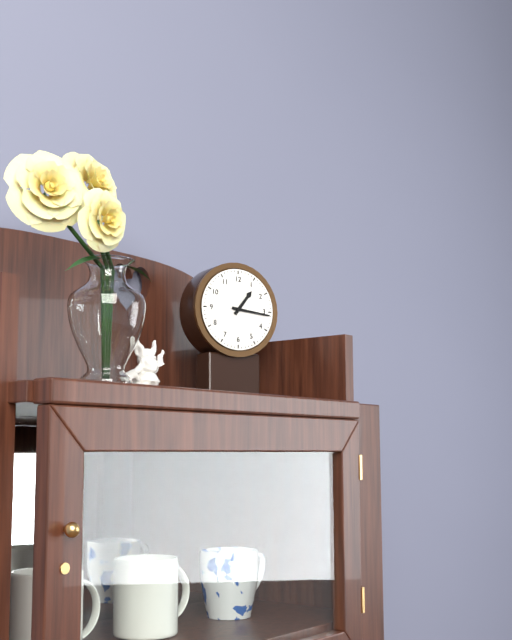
1:16
